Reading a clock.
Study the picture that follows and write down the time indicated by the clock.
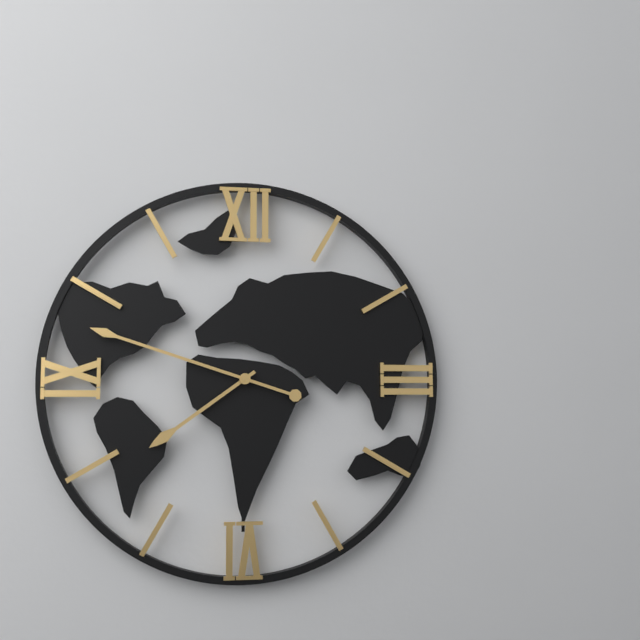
7:48
